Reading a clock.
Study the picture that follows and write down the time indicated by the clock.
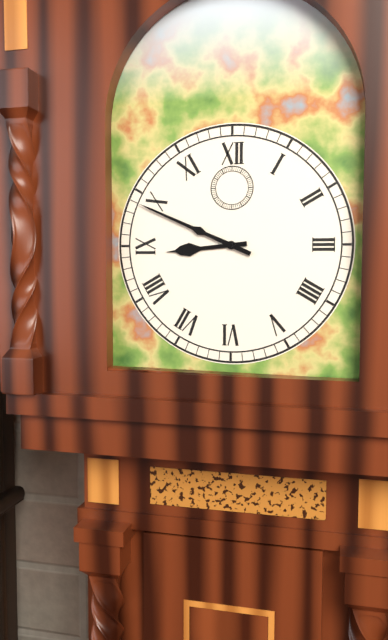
8:49
